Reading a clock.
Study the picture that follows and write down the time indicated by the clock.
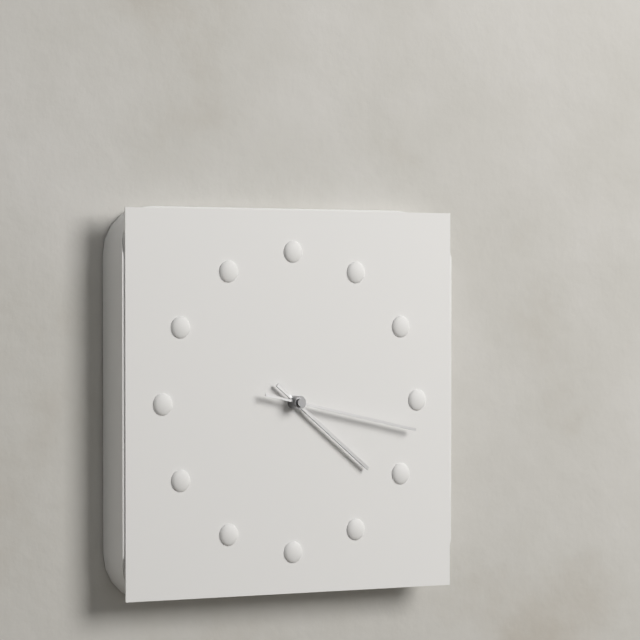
4:17
